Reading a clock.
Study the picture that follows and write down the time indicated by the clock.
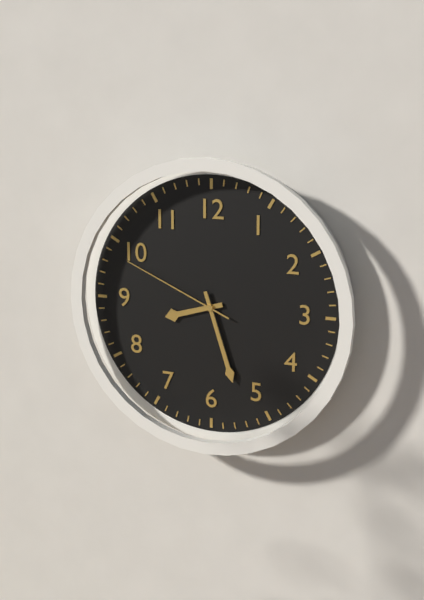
8:27:49
